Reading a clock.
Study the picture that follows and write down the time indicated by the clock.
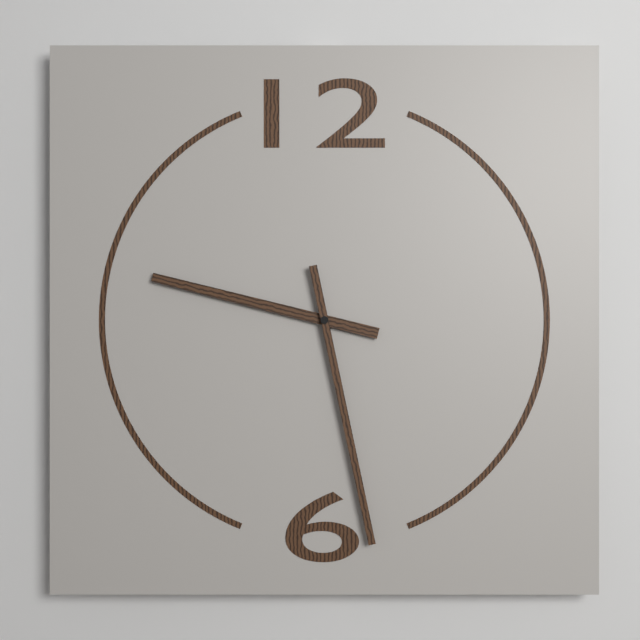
9:28
